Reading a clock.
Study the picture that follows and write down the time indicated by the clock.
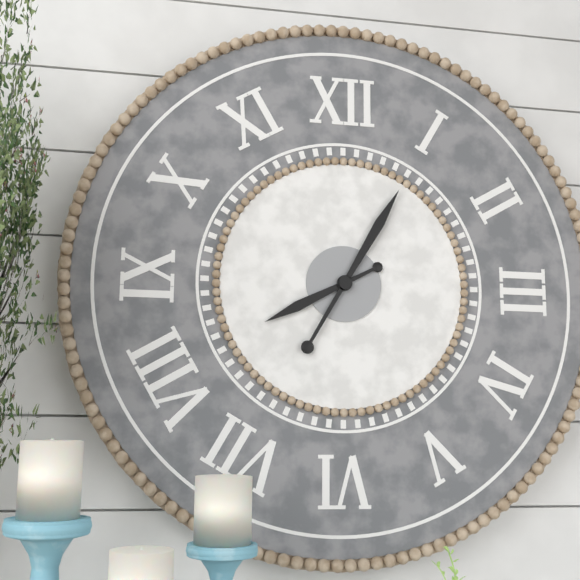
8:05
